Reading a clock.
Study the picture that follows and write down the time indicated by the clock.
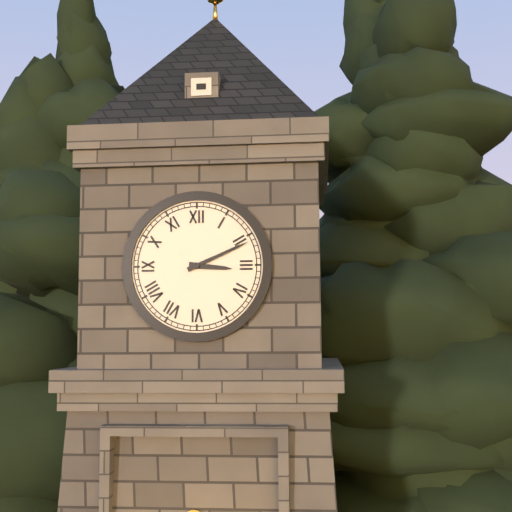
3:11
